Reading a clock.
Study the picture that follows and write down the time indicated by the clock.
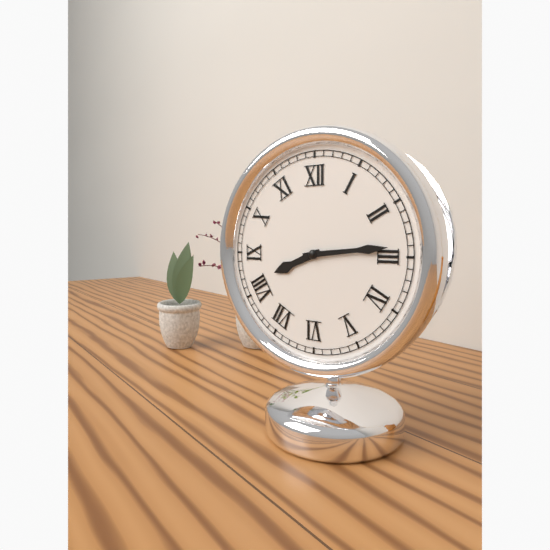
8:14
